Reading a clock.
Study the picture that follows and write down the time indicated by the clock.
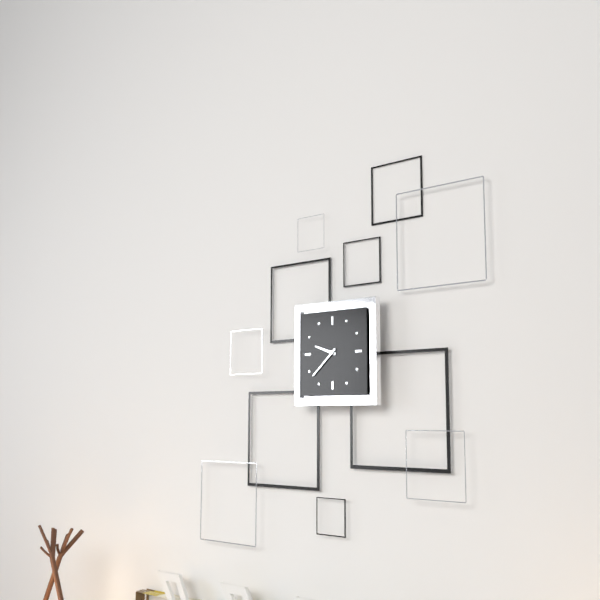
9:38
